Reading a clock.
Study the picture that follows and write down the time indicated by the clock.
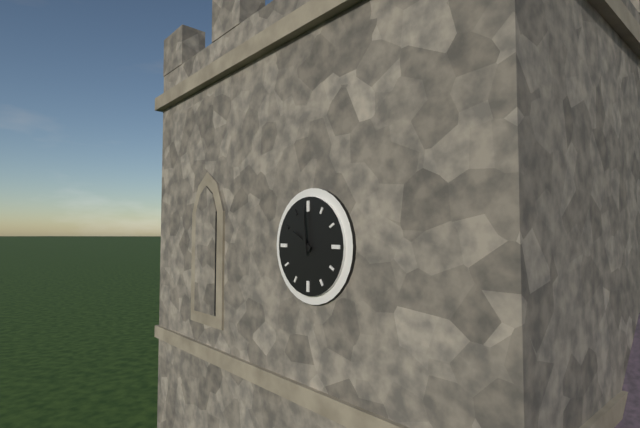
9:59
